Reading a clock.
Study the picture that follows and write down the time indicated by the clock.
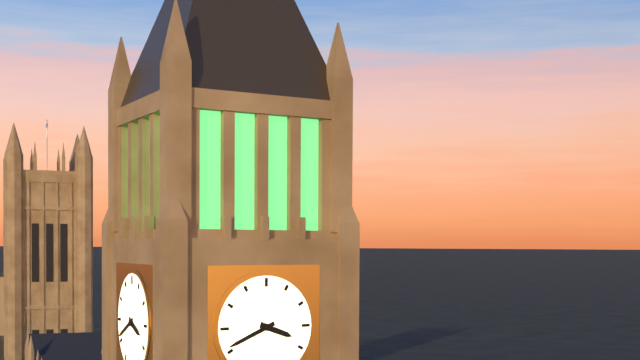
3:41
